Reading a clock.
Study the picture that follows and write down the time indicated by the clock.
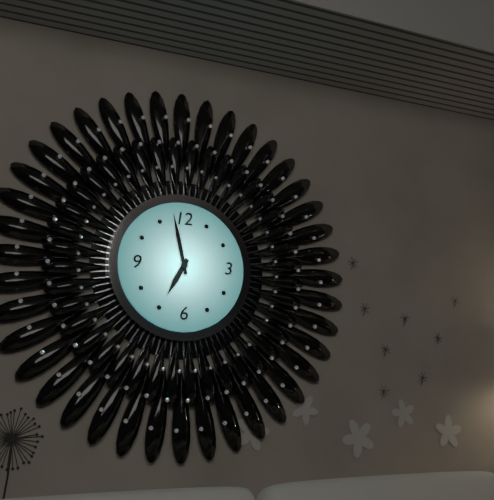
6:58
